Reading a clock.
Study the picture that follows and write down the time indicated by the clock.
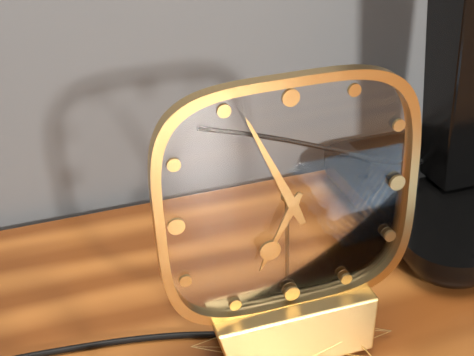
6:56
